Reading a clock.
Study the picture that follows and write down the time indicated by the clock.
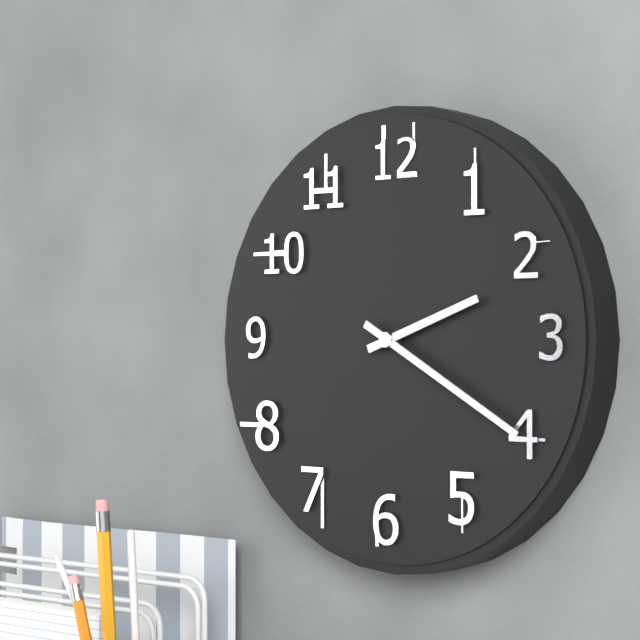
2:20
